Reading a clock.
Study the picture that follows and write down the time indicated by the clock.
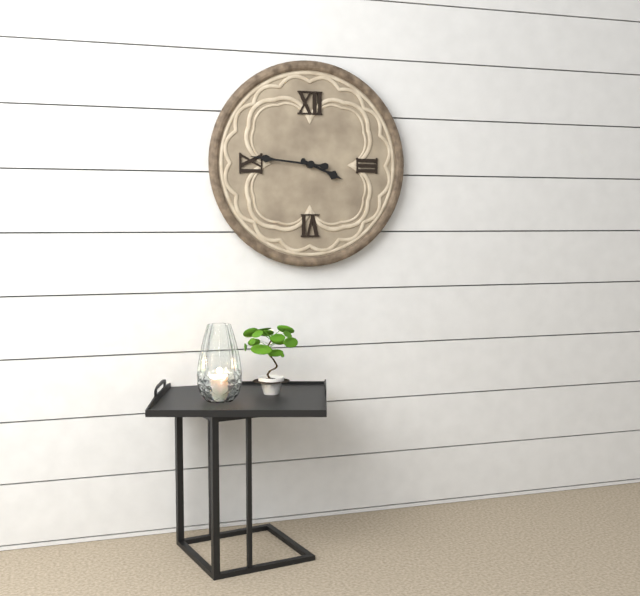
3:46
